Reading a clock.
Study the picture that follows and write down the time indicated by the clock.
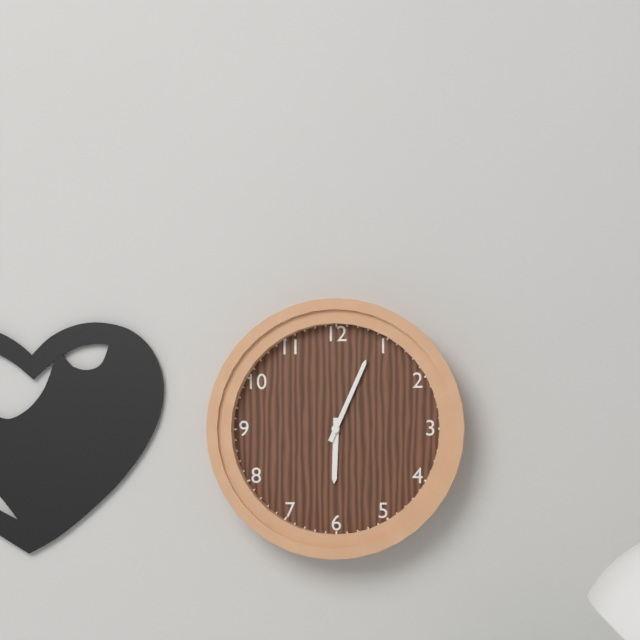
6:04
